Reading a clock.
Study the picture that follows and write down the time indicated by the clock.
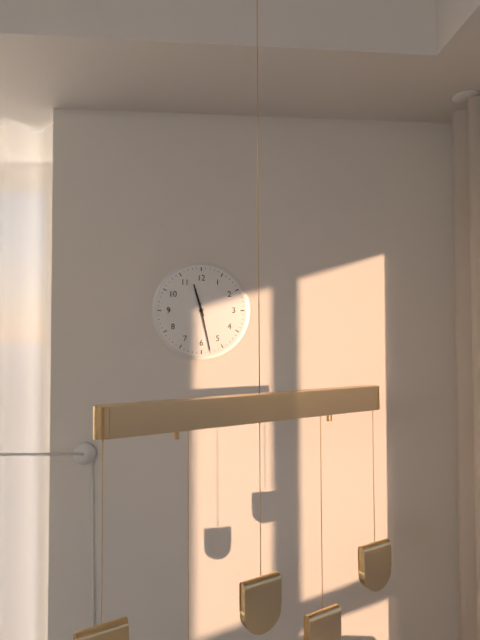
11:28
